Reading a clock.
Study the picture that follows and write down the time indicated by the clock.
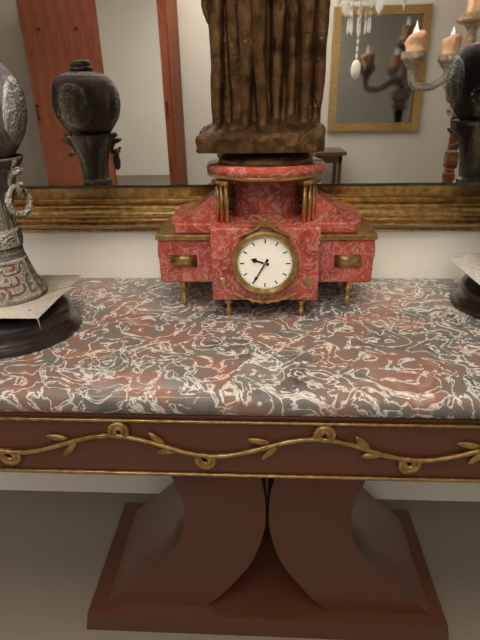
9:35
